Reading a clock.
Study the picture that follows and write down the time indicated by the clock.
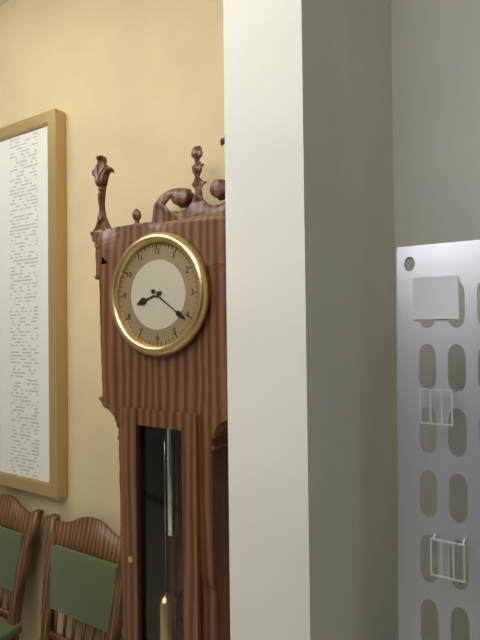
8:21
